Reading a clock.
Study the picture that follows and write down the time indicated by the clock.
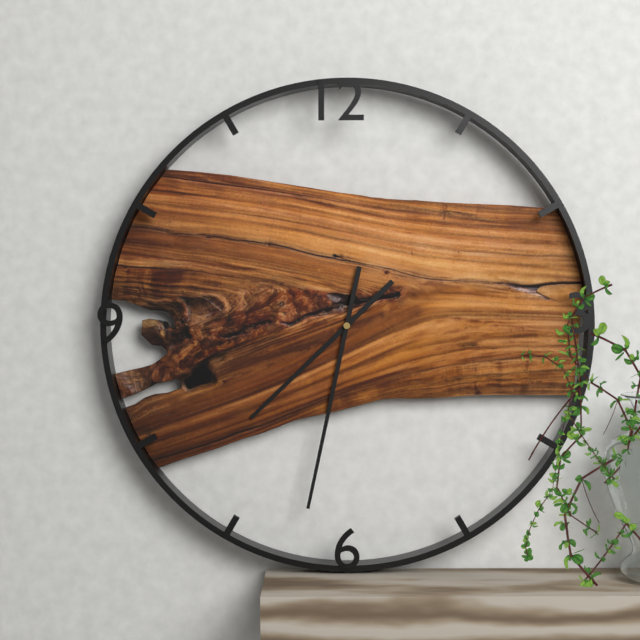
7:32
